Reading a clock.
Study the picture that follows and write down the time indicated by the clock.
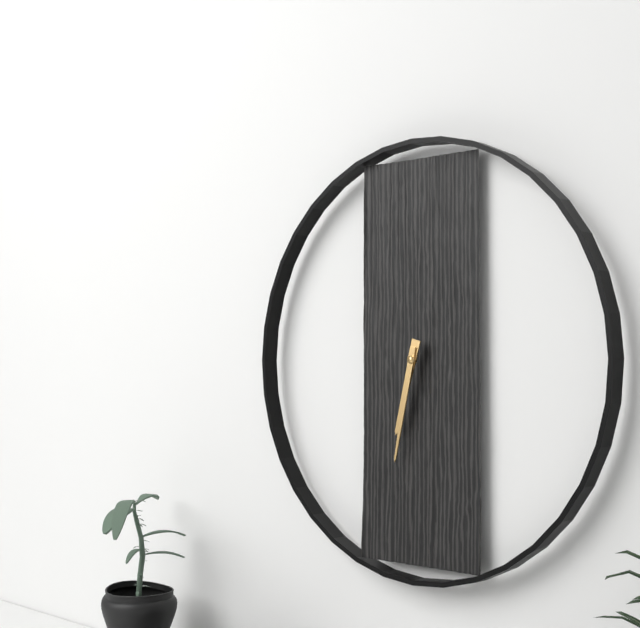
6:32
